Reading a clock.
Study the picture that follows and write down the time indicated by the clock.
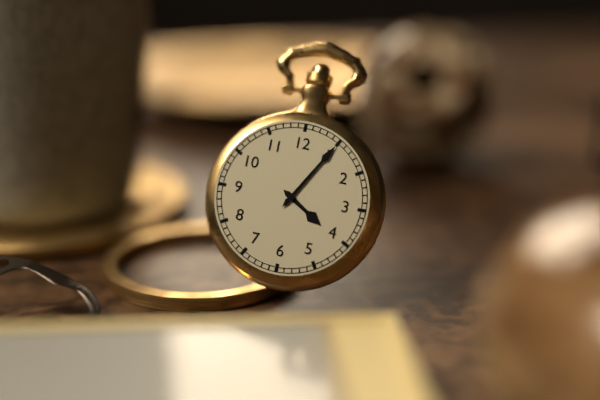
4:05
